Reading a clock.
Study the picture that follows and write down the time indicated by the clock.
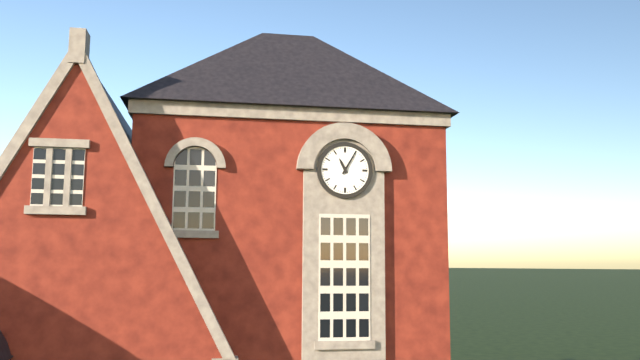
11:05
